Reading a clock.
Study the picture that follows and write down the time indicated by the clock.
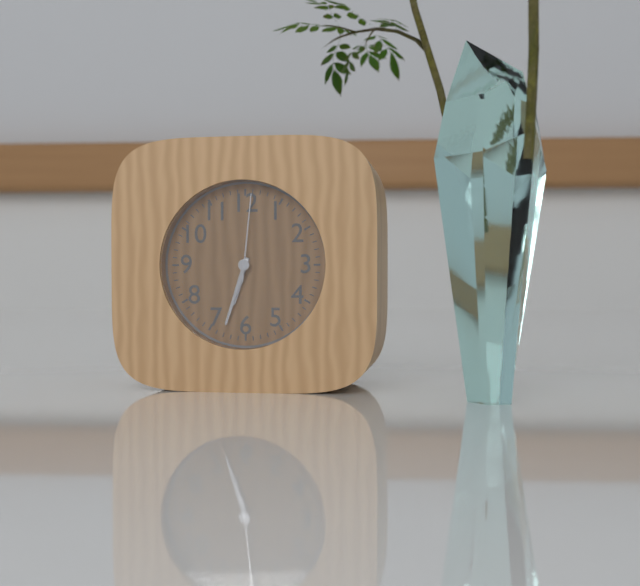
6:33:01
